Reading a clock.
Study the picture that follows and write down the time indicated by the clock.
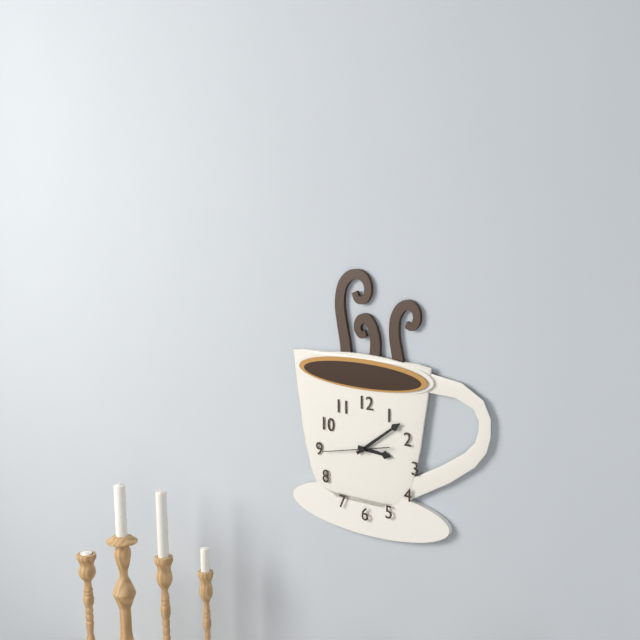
3:09:43
